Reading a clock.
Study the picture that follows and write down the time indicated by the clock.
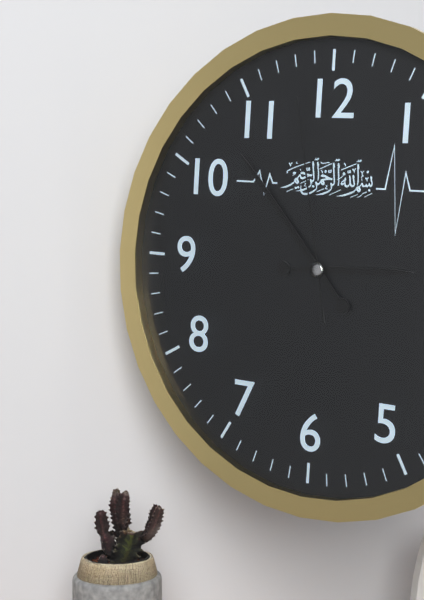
2:53:58
